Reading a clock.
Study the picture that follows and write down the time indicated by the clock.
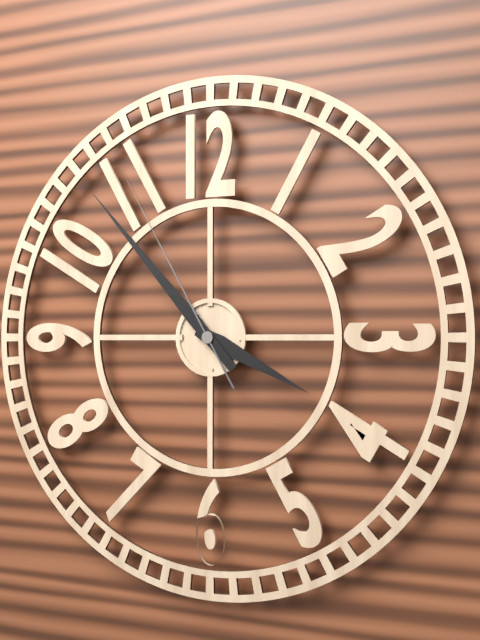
3:53:55
